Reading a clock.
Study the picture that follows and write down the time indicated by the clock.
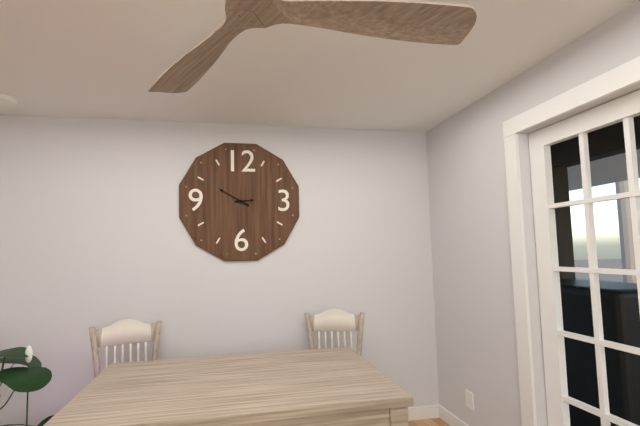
2:50
